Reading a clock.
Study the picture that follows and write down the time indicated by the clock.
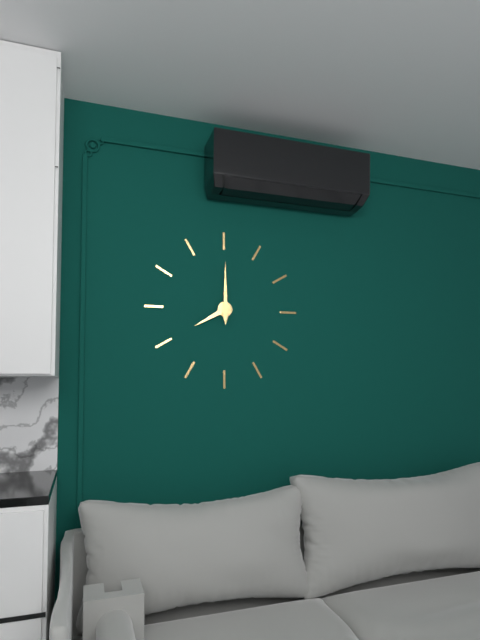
8:00
